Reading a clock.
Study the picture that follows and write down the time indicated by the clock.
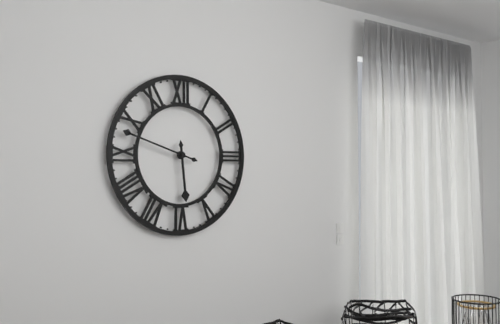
5:48
